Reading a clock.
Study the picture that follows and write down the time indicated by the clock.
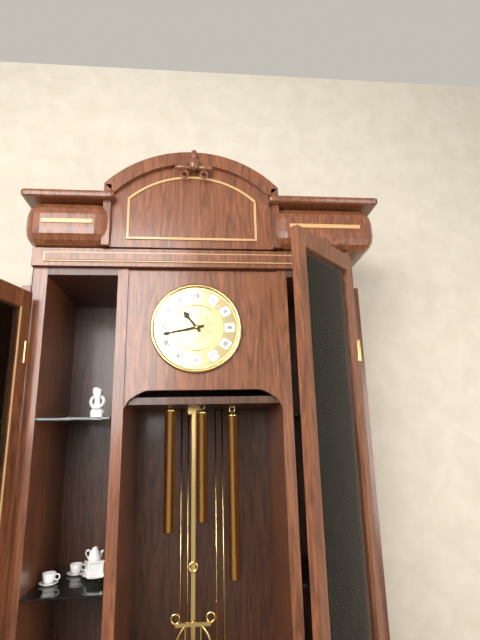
10:43
